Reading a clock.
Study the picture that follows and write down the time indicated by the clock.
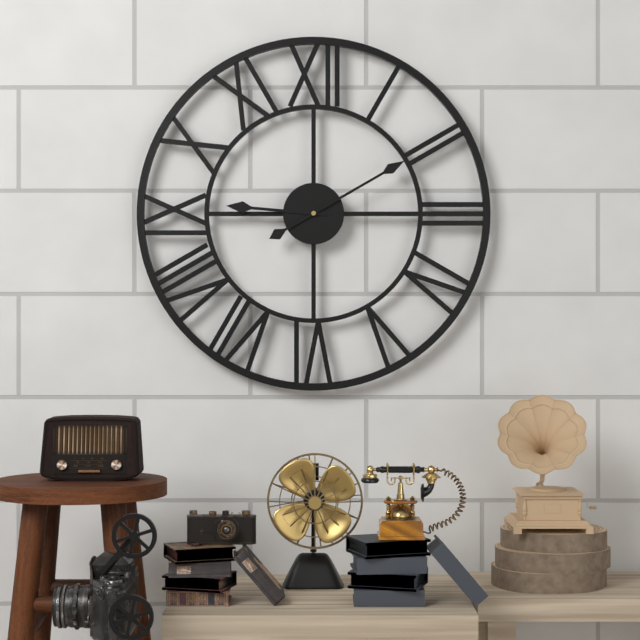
9:10
